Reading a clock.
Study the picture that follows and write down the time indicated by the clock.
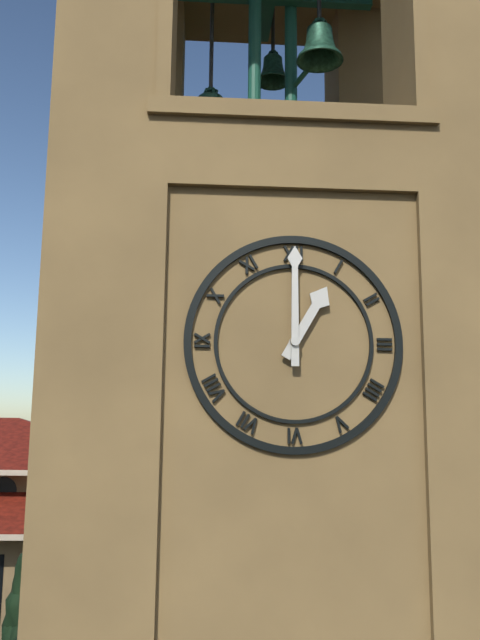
1:00
